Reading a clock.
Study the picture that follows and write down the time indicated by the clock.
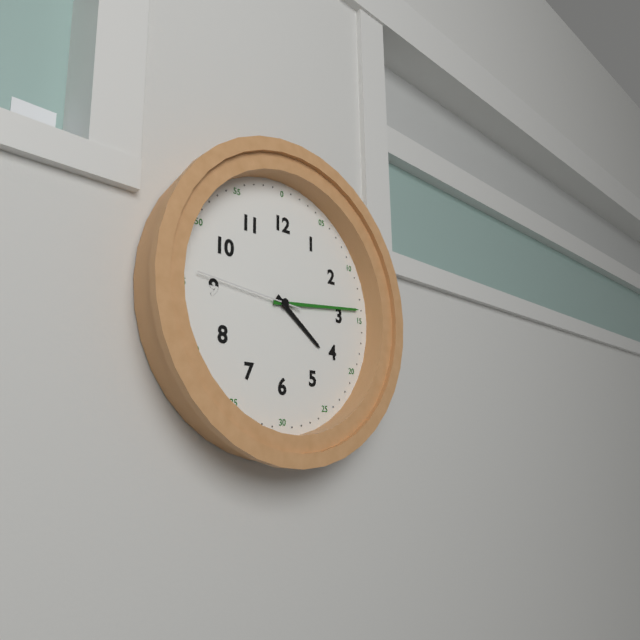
4:14:46
